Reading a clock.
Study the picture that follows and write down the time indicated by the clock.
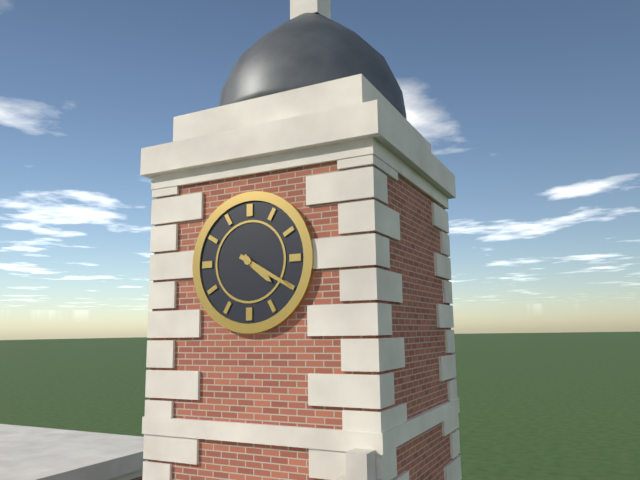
4:20
